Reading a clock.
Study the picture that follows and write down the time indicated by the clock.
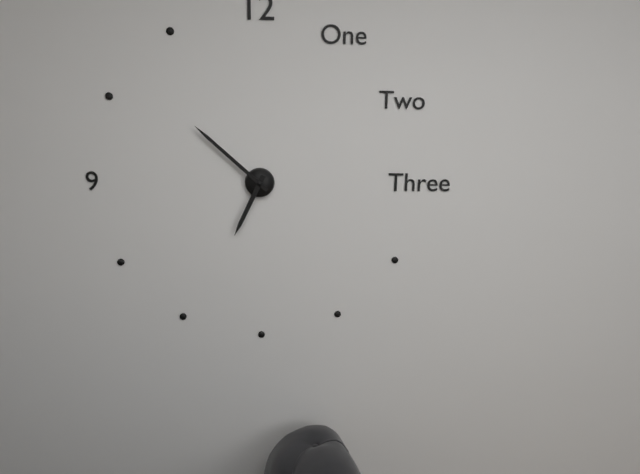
6:52
